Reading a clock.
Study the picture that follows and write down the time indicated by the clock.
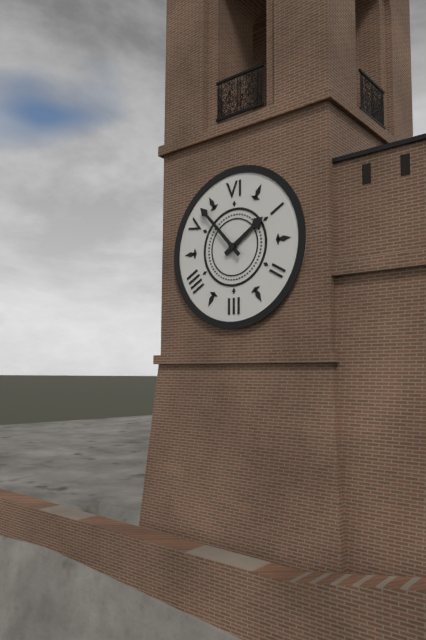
1:53
